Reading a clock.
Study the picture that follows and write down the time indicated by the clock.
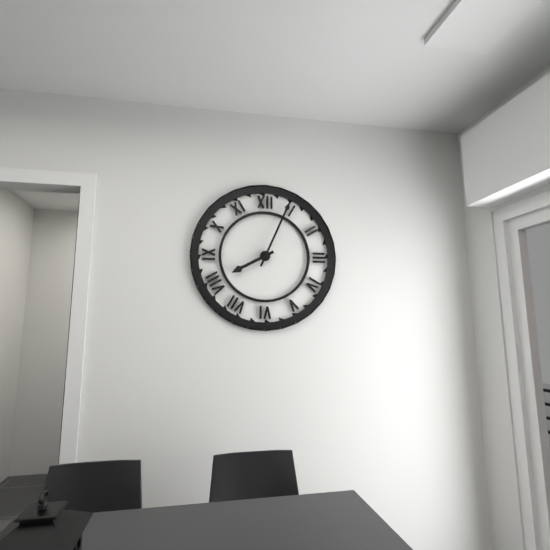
8:04
